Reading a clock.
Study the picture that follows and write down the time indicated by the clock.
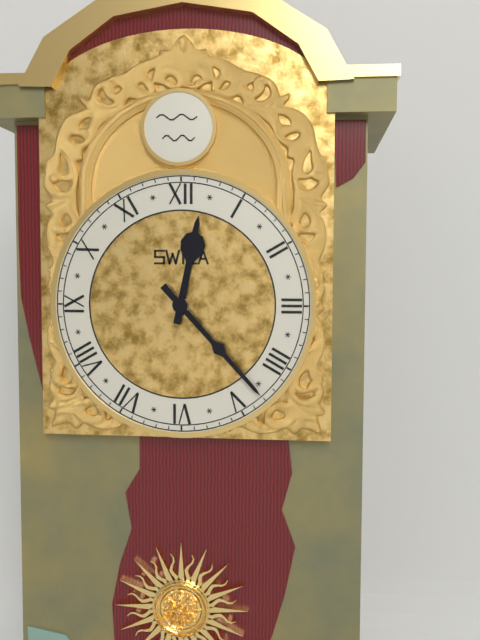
12:23
